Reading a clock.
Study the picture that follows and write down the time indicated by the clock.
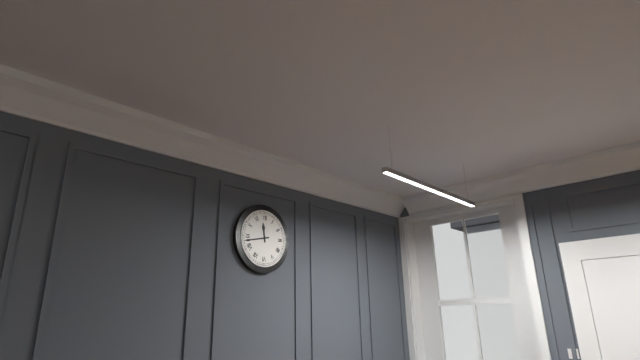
11:43
